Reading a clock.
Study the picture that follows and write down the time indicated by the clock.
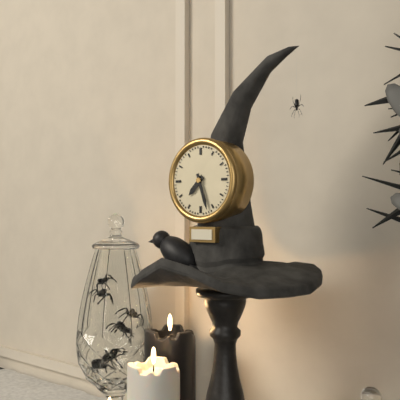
7:27
